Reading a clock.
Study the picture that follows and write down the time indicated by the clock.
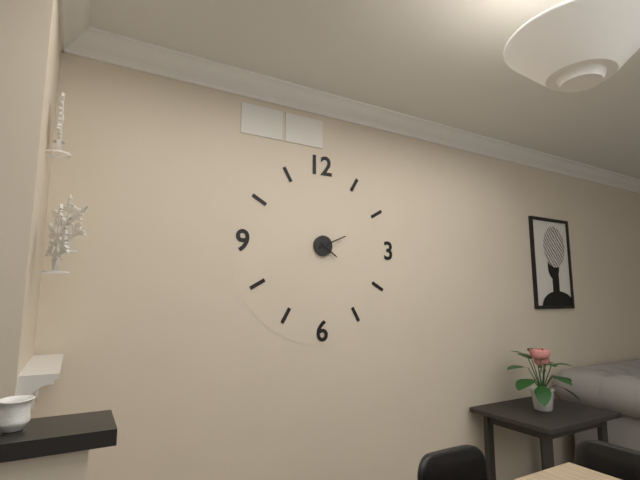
4:11
